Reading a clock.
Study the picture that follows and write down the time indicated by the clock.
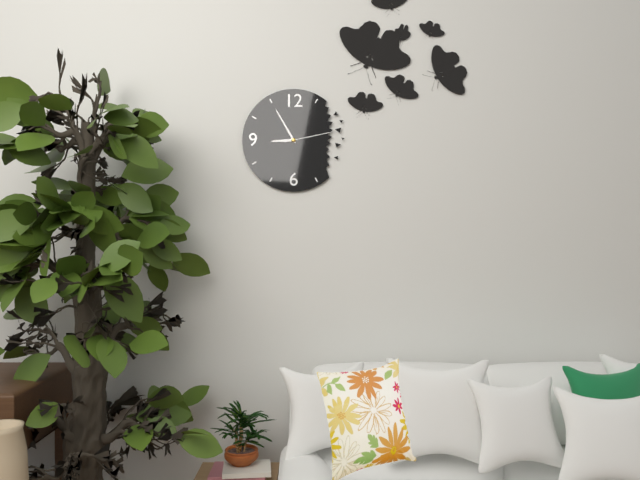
8:55:13
